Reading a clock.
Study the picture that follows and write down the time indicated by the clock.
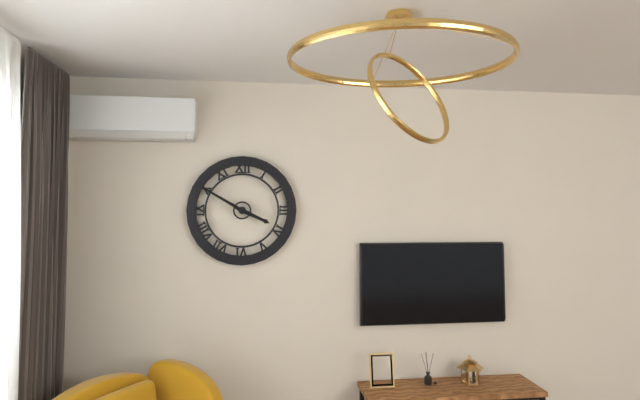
3:50
